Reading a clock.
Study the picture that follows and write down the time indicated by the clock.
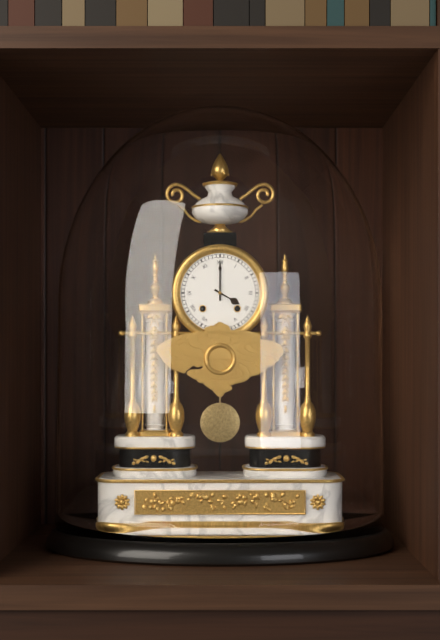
4:00
